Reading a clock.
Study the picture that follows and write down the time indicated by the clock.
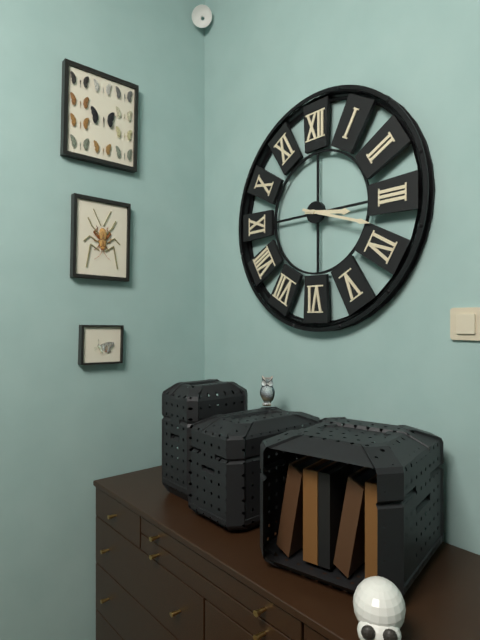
3:18
